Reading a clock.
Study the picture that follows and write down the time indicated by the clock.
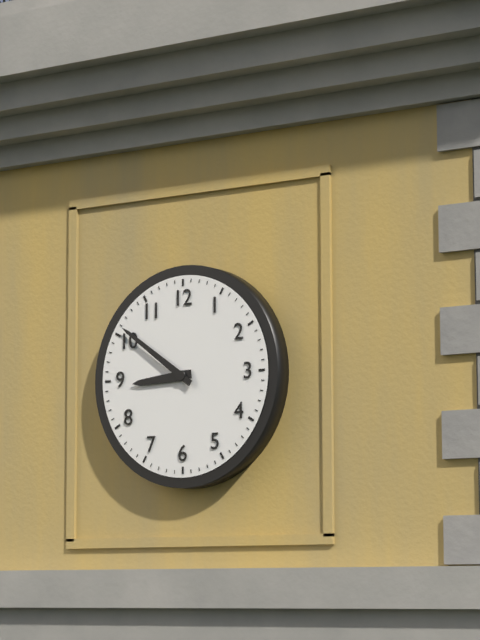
8:51
